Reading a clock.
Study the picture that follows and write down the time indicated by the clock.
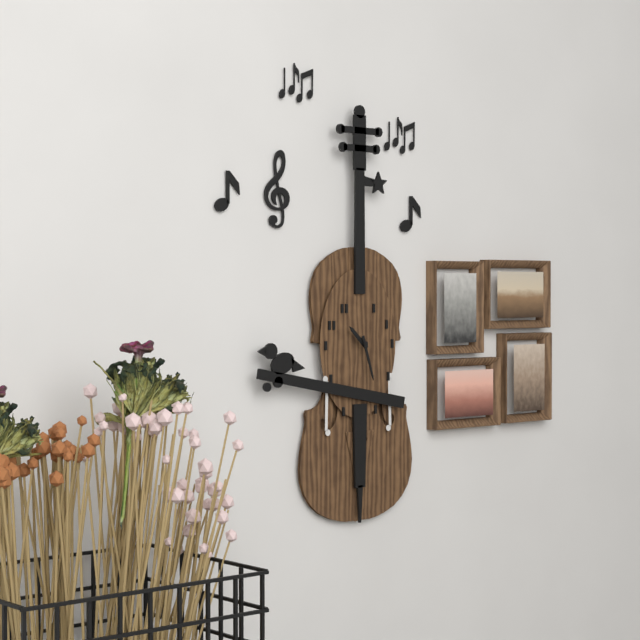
10:27
